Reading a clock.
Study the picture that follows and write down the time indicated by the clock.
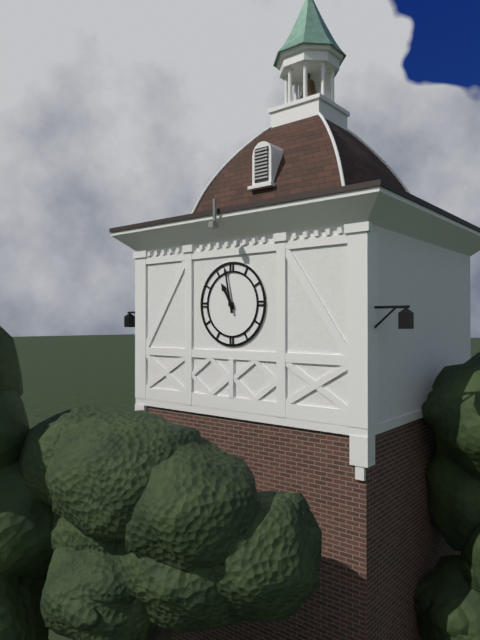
10:58
